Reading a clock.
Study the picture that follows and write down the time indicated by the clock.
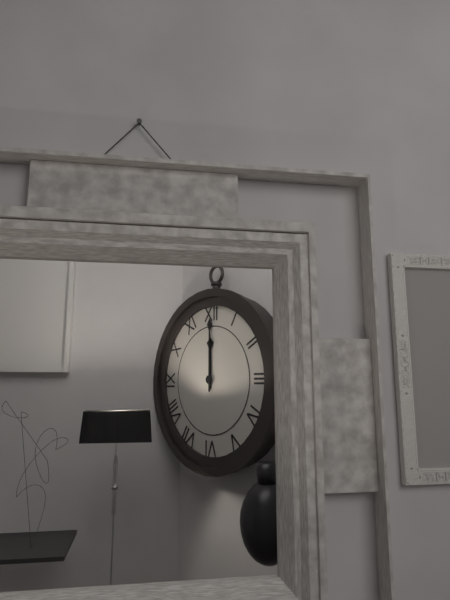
12:00
